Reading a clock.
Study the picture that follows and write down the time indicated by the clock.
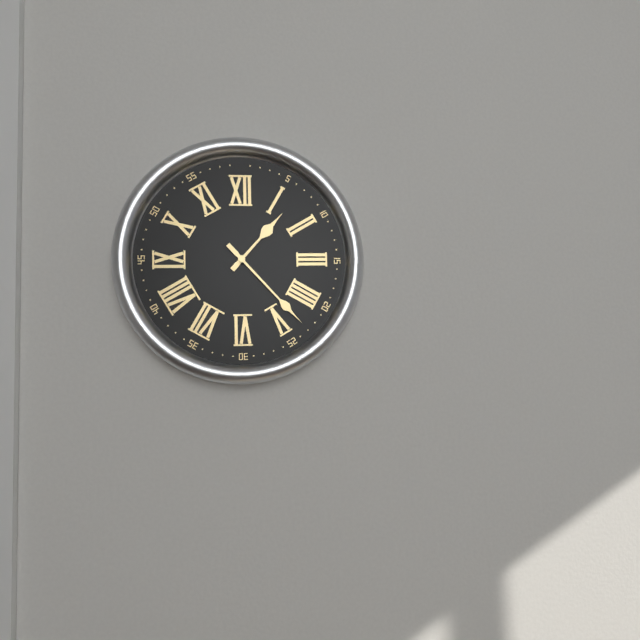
1:23
